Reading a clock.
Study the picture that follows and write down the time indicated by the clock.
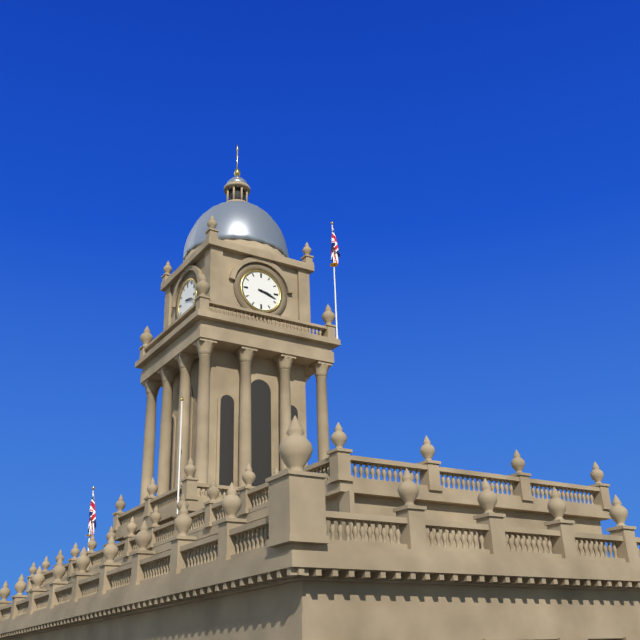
3:18
